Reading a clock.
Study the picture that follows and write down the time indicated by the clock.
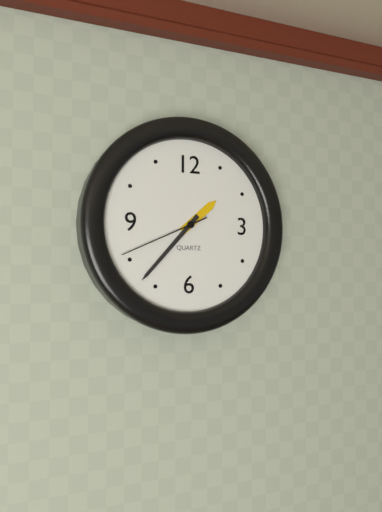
1:37:41
